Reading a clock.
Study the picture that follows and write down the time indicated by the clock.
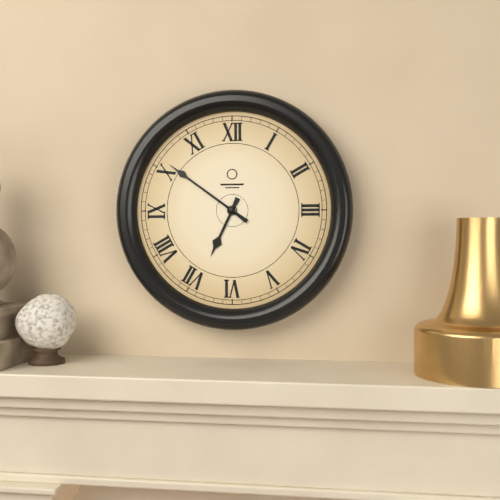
6:51
